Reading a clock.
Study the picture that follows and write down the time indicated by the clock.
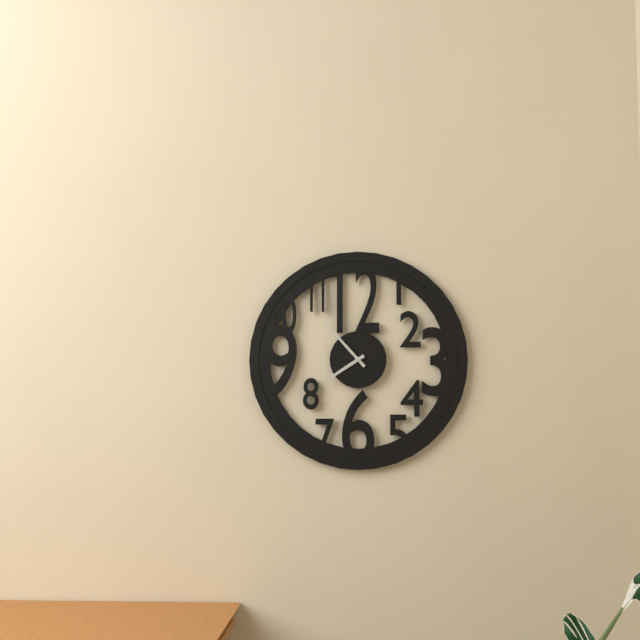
7:53
